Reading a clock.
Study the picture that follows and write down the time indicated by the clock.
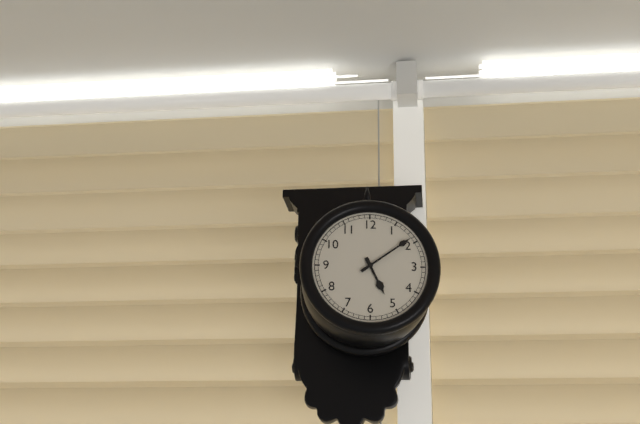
5:09
